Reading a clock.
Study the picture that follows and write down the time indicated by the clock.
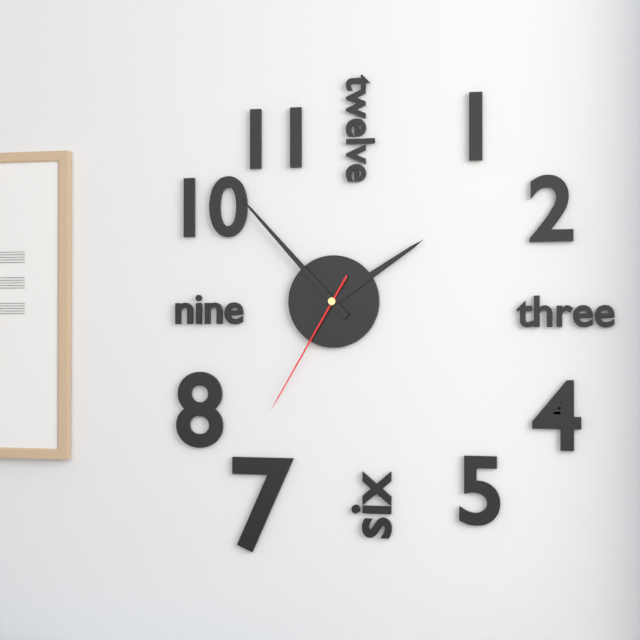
1:53:35
